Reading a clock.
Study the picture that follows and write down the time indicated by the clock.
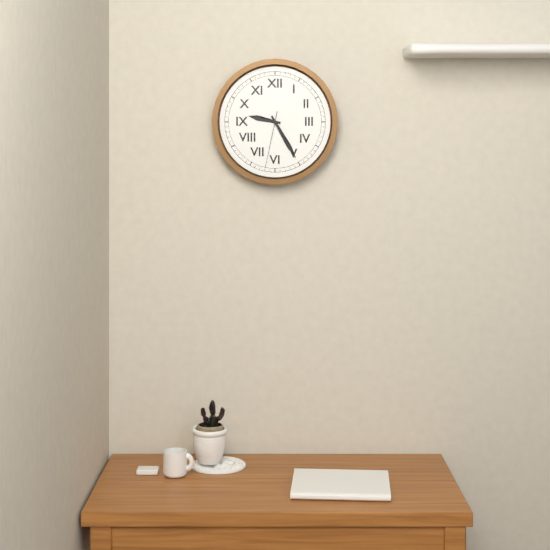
9:25:32
